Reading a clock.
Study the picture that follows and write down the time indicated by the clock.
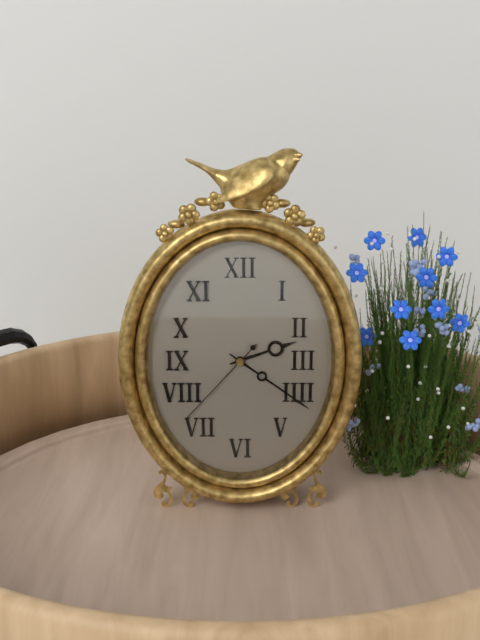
2:21:37
